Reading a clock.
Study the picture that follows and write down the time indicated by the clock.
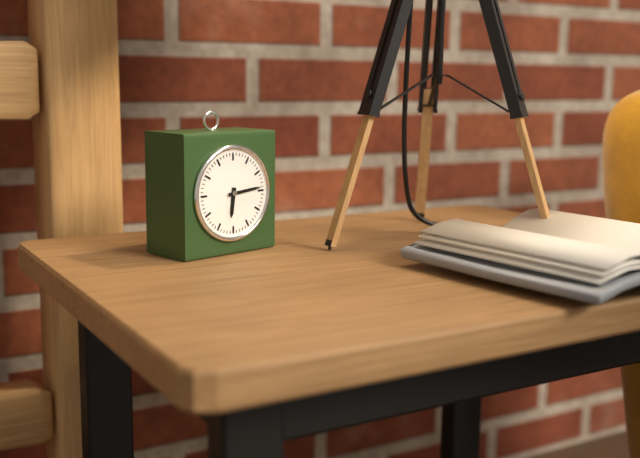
6:14
